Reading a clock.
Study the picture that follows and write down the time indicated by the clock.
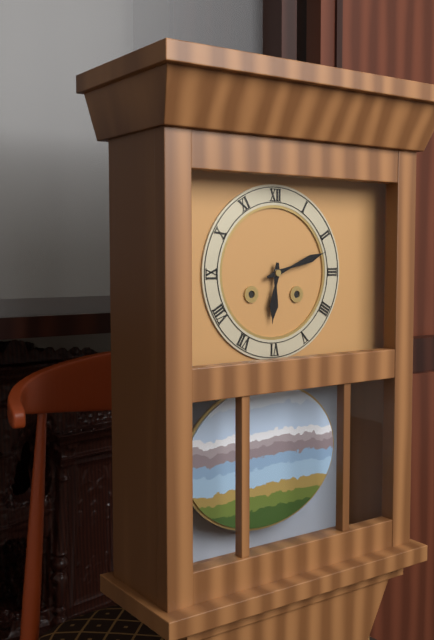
6:12
